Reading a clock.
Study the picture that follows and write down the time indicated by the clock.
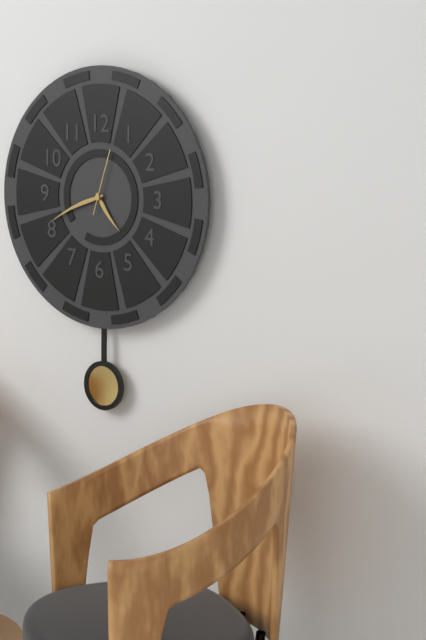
4:41:03
